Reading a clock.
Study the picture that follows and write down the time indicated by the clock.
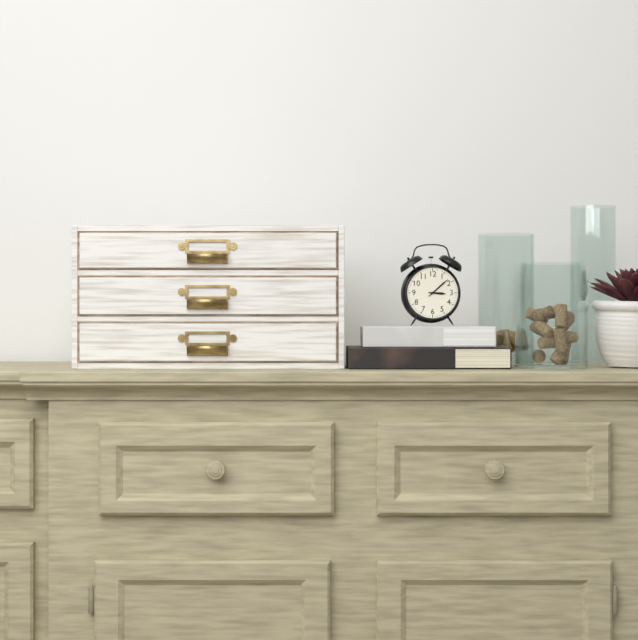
3:08
